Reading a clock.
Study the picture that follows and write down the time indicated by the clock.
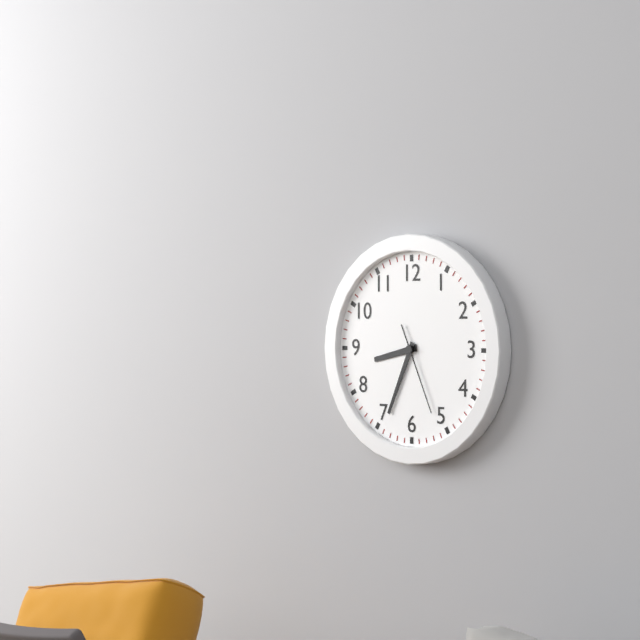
8:34:26
